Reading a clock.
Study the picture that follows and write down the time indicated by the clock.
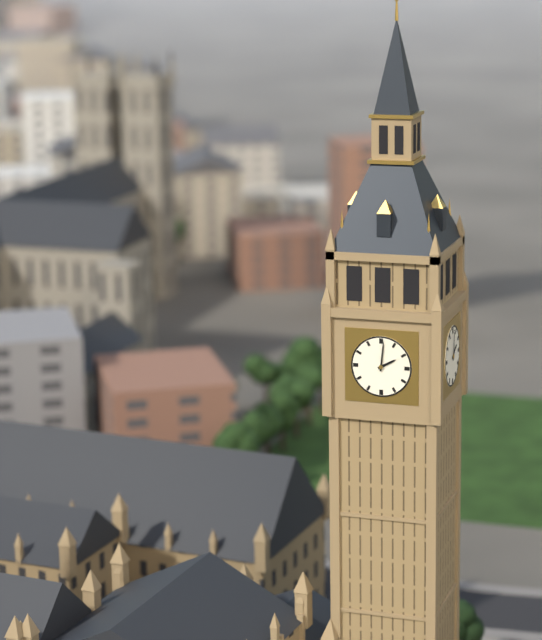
2:01
